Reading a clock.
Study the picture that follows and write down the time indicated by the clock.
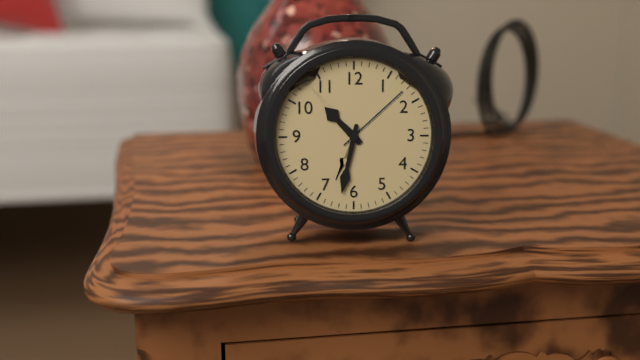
10:32
